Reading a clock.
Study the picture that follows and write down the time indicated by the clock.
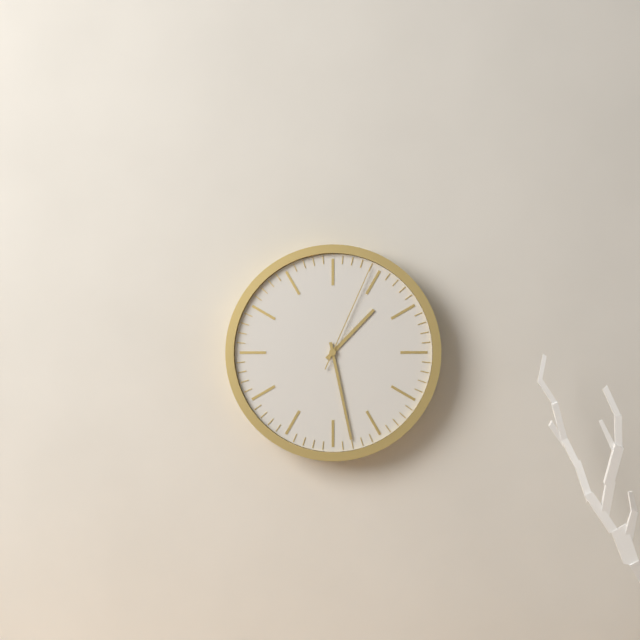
1:28:04
